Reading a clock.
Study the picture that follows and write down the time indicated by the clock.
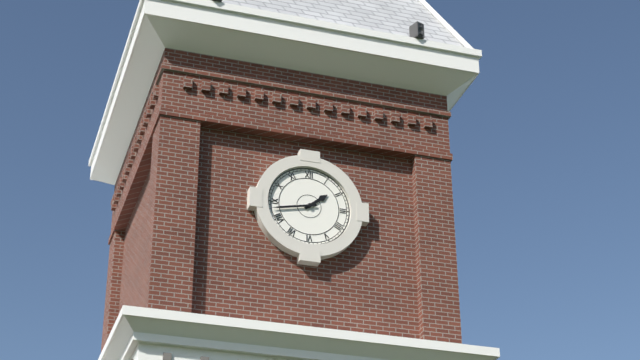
1:43
